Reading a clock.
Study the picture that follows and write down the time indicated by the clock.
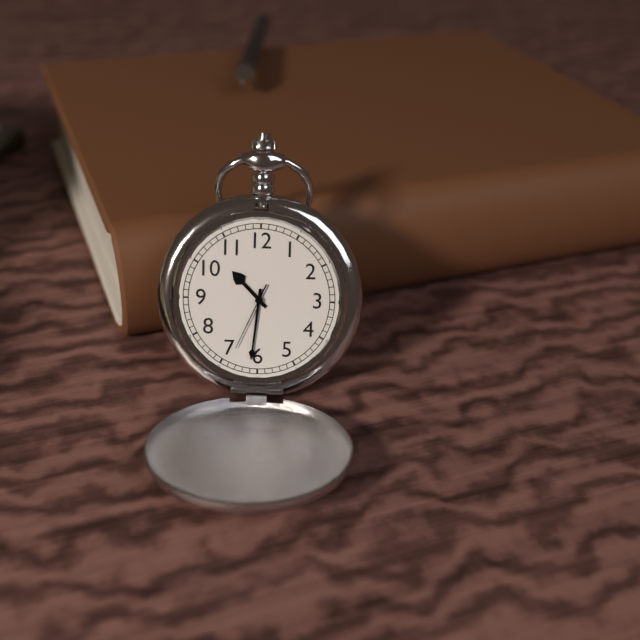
10:31:34
